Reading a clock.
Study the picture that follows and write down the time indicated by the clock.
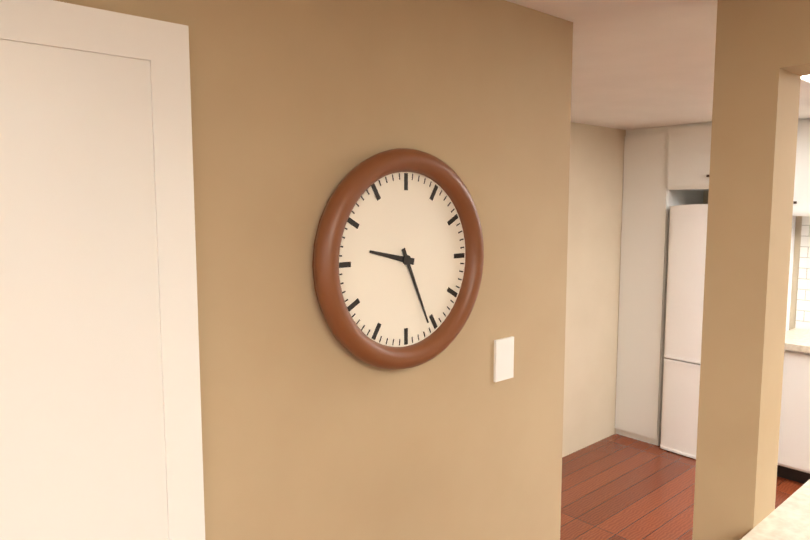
9:26
